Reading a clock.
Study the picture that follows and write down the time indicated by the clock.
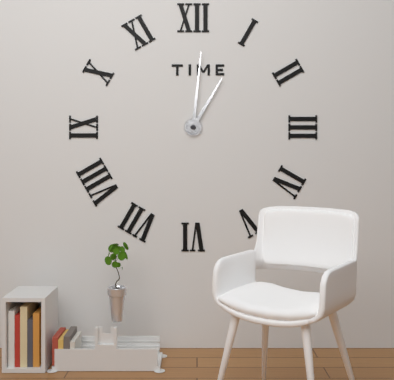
1:01
